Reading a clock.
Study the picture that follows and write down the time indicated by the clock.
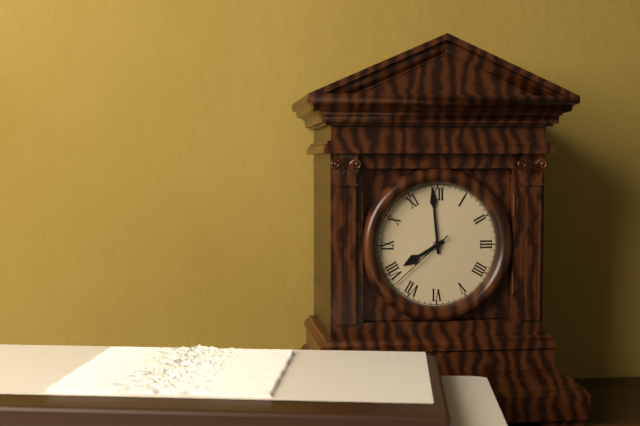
7:59:38
